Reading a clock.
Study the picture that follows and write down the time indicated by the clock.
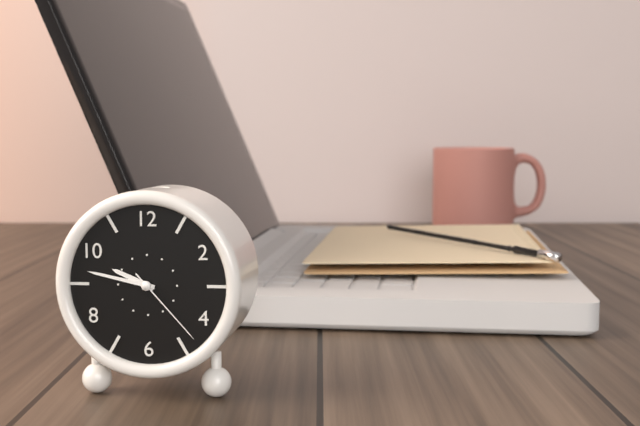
9:47:23
